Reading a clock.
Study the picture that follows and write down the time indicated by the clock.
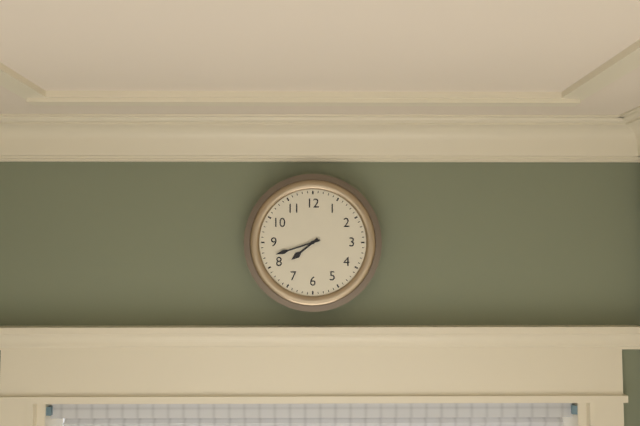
7:42
